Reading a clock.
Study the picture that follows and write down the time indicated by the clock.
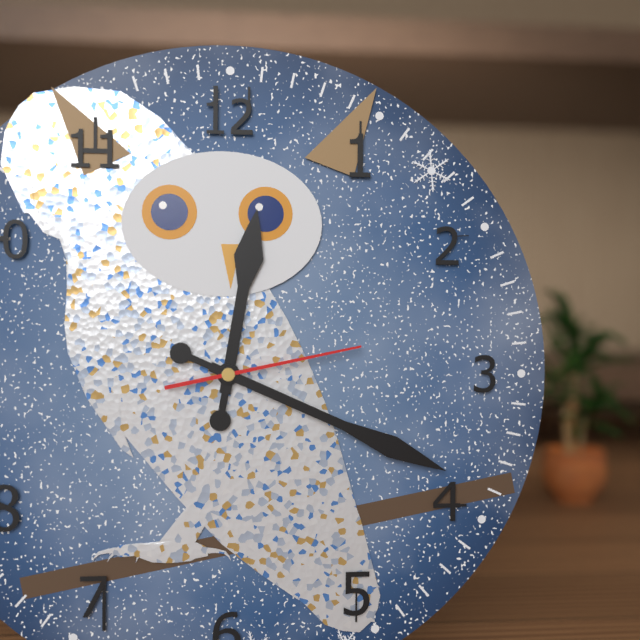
12:19:13
